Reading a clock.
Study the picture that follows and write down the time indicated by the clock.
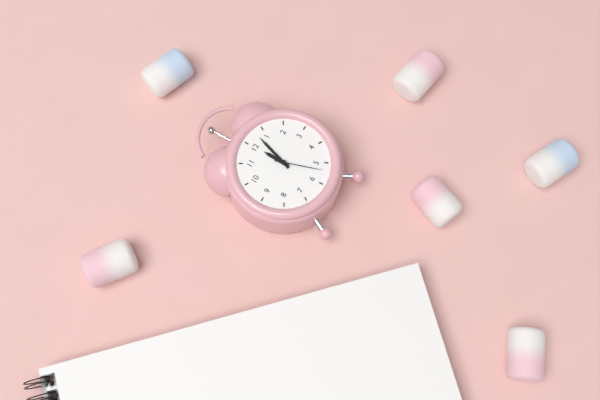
12:03
